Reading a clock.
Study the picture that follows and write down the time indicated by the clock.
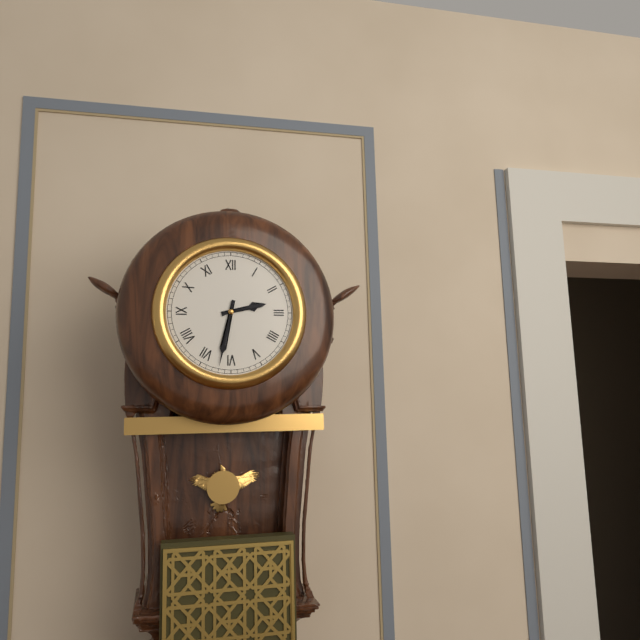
2:32
